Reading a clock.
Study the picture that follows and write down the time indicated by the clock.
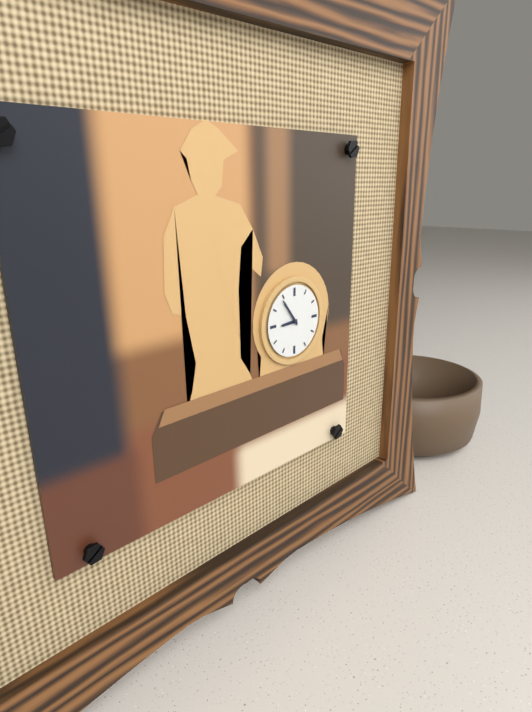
8:54
